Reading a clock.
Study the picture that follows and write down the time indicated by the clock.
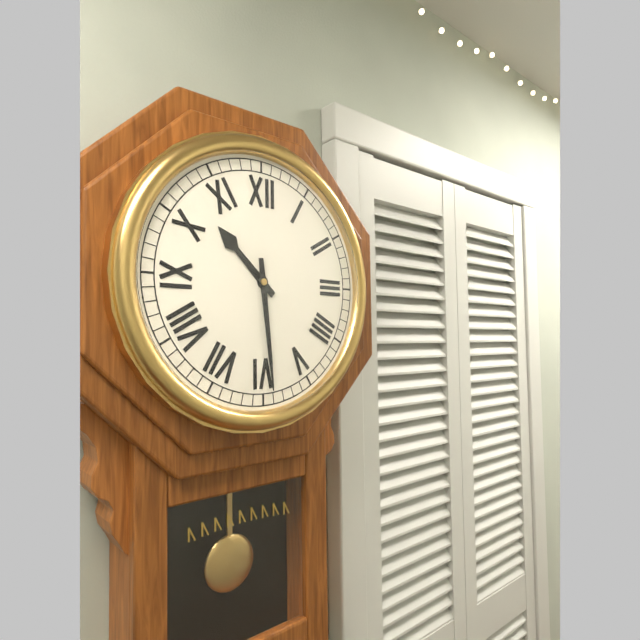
10:29
